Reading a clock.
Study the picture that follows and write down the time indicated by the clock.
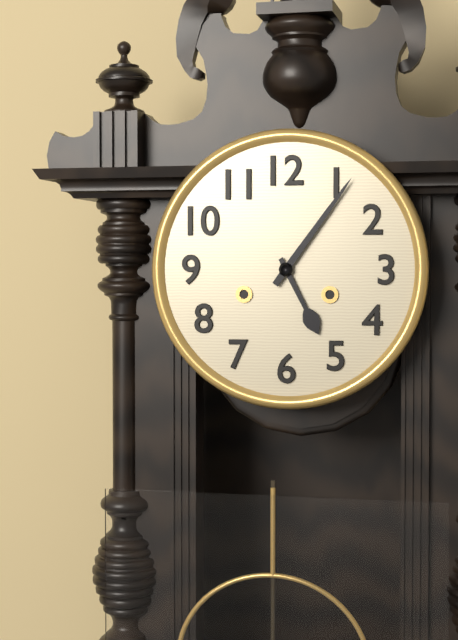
5:06
